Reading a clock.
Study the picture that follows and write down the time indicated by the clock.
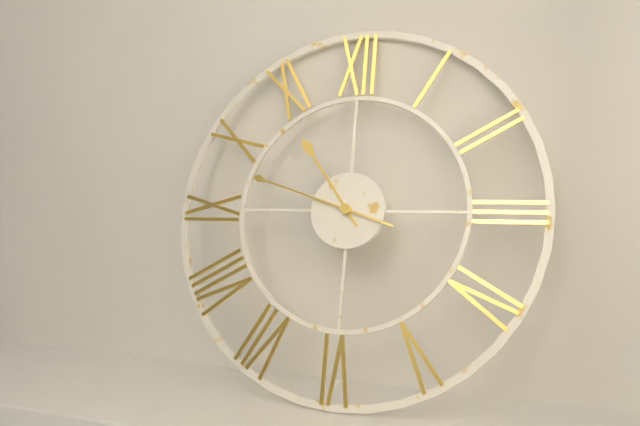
10:48
